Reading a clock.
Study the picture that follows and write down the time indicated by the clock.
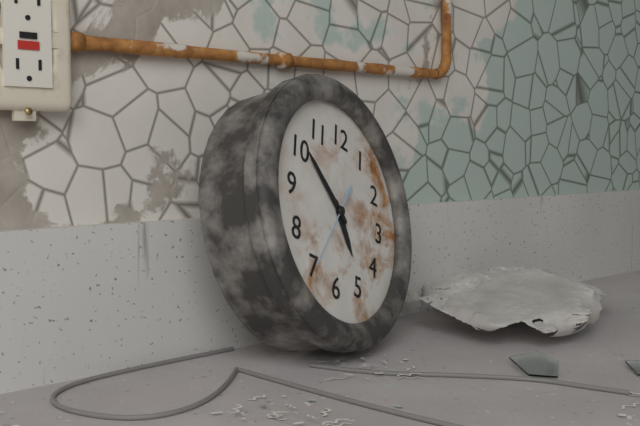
4:51:35
